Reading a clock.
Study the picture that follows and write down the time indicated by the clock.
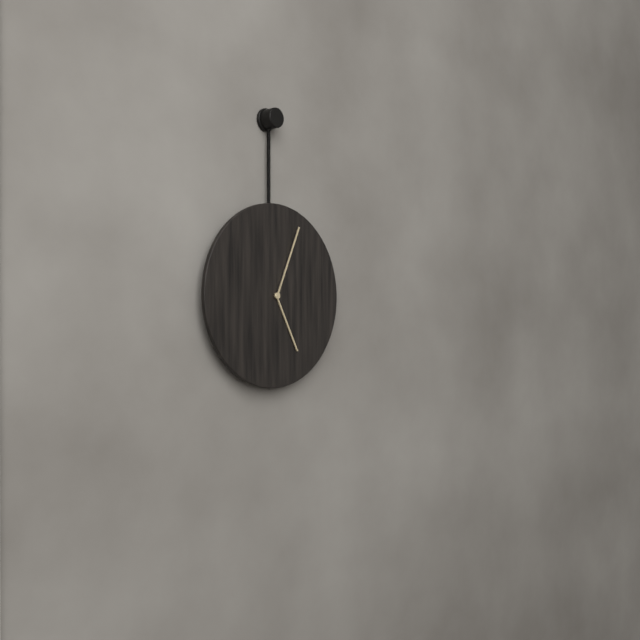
5:04
